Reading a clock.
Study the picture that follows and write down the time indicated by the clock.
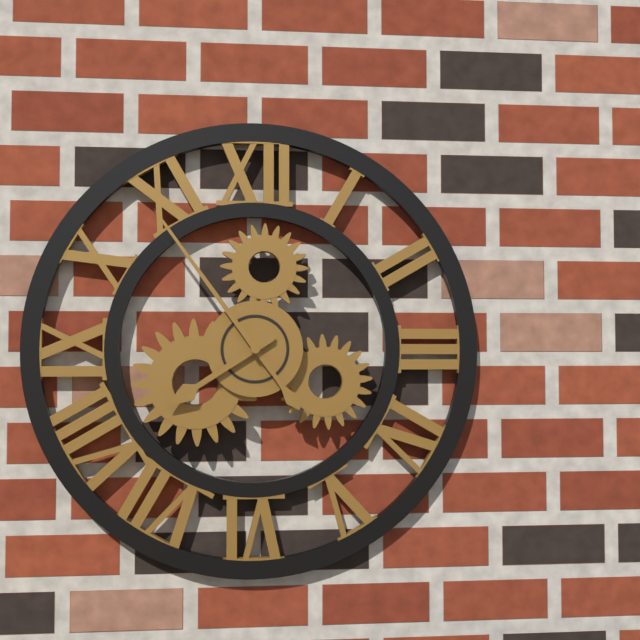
7:54
